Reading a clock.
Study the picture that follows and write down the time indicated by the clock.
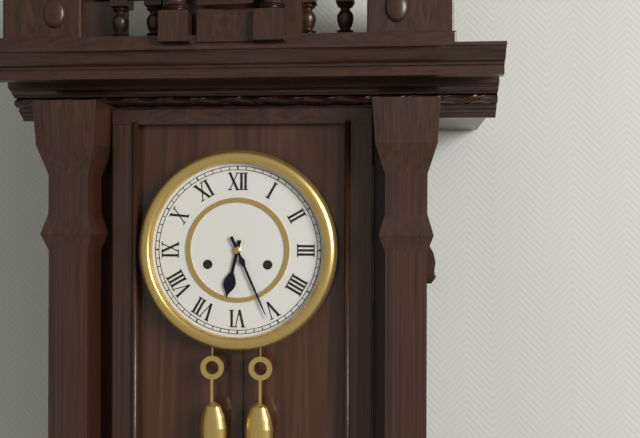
6:26
